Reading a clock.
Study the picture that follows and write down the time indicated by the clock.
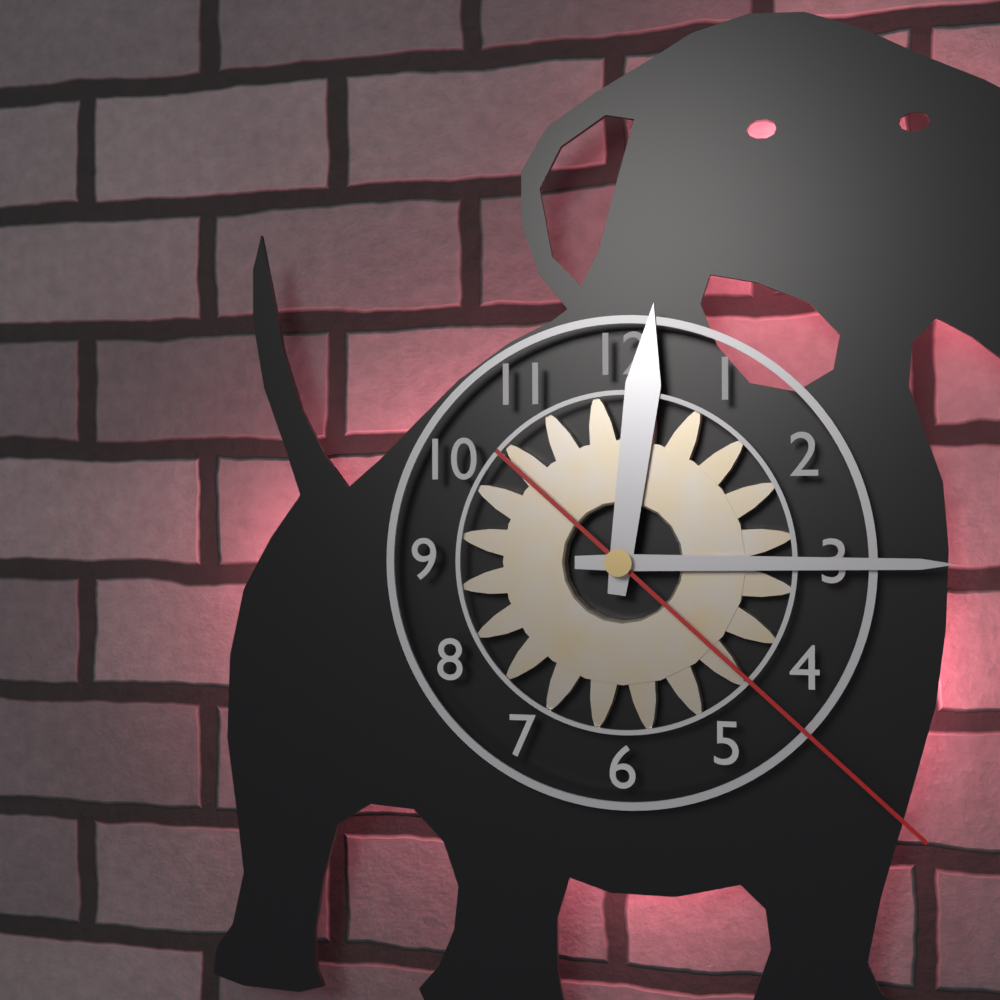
12:15:22
